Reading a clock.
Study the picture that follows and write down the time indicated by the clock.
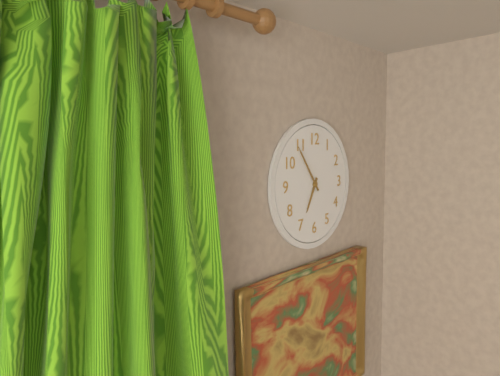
6:54
